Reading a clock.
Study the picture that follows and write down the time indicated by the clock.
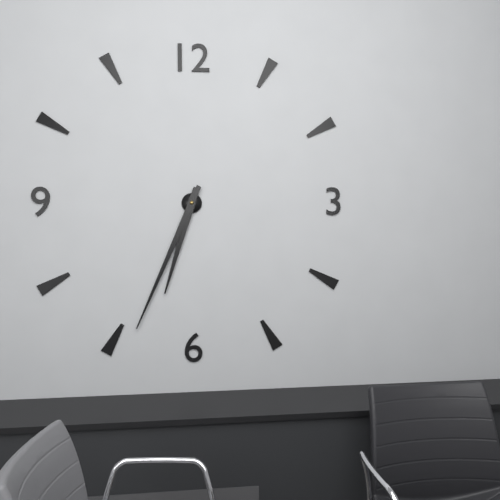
6:34
